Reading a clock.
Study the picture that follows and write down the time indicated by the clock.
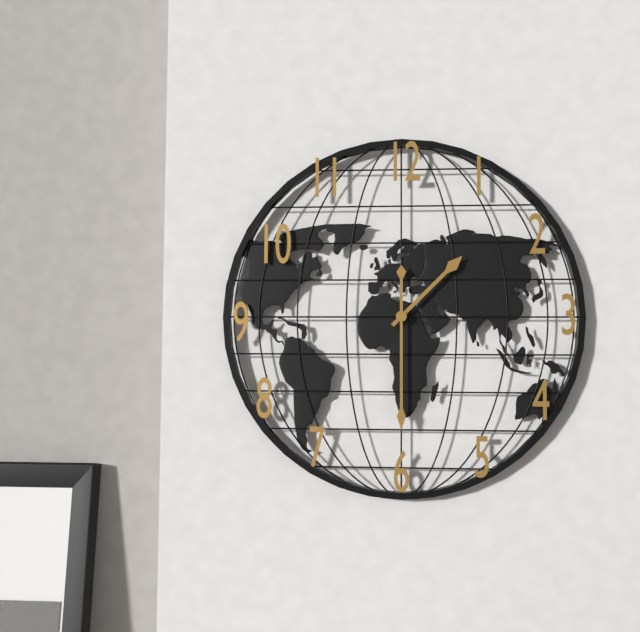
1:30
